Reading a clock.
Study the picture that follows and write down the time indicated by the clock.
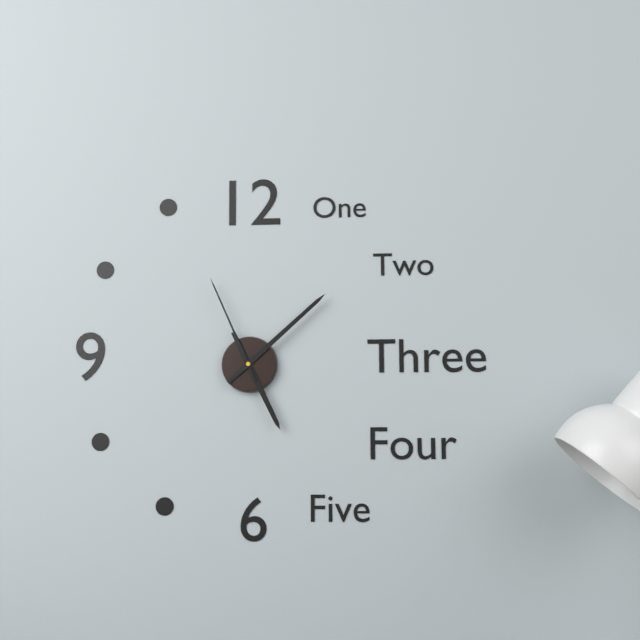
5:08:56
